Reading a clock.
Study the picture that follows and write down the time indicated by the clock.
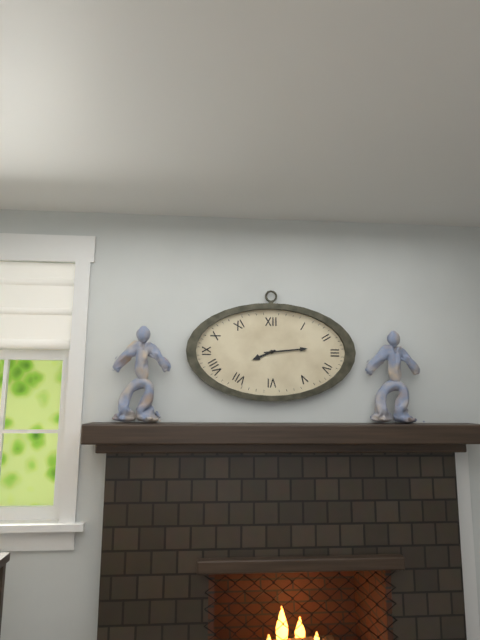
8:14
